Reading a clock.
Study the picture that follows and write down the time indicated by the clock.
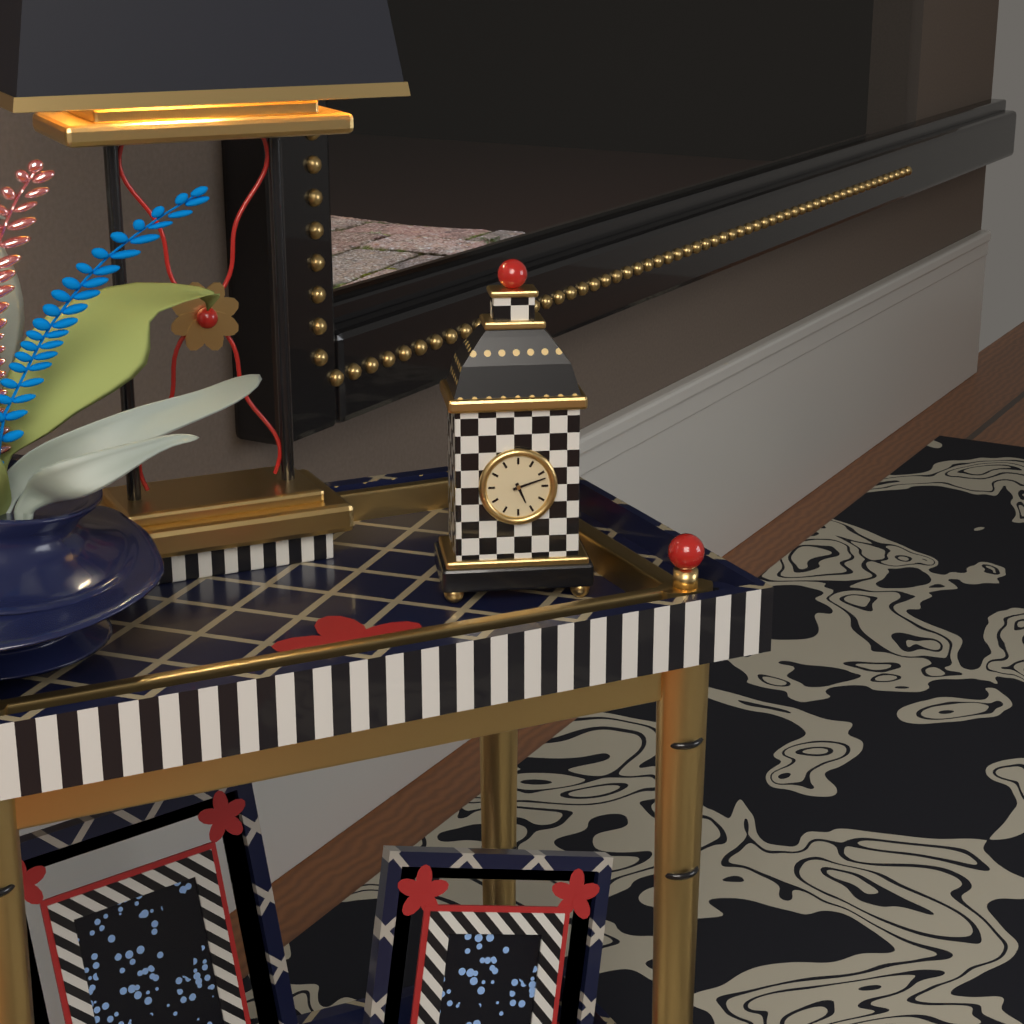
5:12
